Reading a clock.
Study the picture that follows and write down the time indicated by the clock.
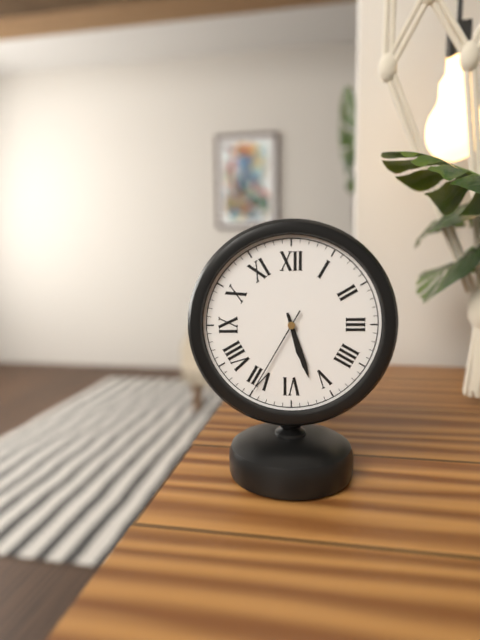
5:27:35
